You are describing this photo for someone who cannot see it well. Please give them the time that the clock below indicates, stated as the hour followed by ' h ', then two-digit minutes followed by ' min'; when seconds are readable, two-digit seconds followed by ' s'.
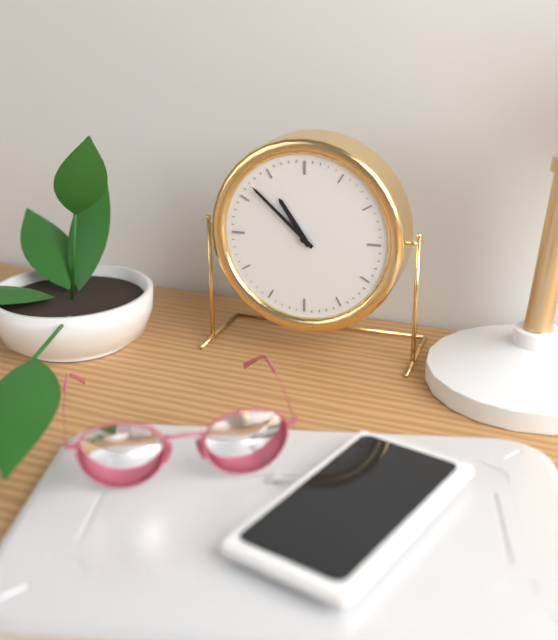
10 h 52 min
